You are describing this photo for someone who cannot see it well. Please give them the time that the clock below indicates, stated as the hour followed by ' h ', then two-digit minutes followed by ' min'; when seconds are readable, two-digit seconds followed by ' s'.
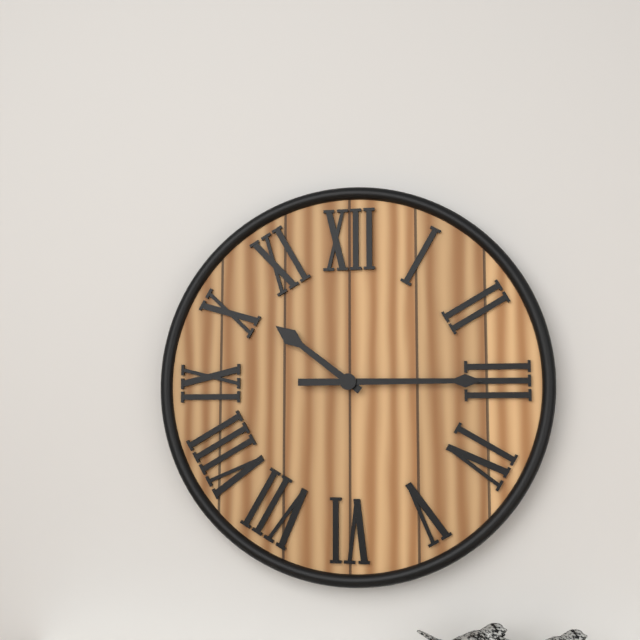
10 h 15 min
